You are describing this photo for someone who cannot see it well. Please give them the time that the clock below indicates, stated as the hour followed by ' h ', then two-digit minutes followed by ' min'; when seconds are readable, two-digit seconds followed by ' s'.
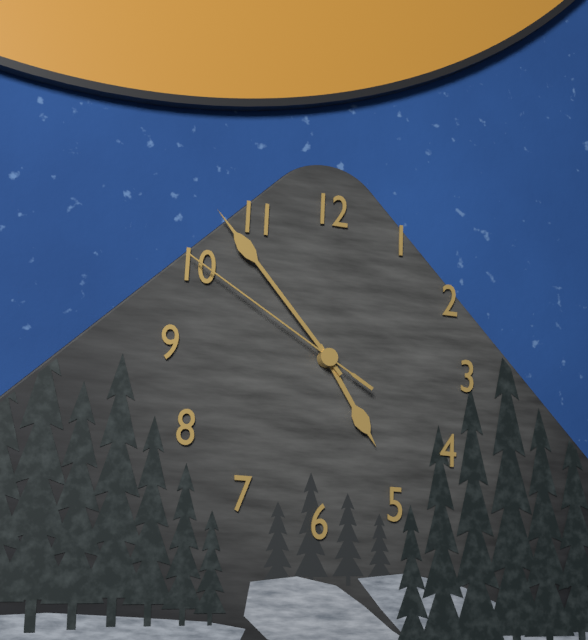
4 h 53 min 50 s
